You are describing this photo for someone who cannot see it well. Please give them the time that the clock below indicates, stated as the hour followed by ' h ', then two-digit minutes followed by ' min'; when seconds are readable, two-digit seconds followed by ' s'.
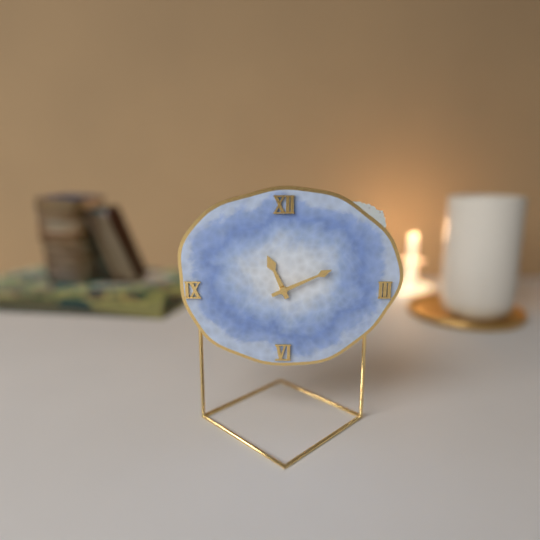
11 h 11 min
